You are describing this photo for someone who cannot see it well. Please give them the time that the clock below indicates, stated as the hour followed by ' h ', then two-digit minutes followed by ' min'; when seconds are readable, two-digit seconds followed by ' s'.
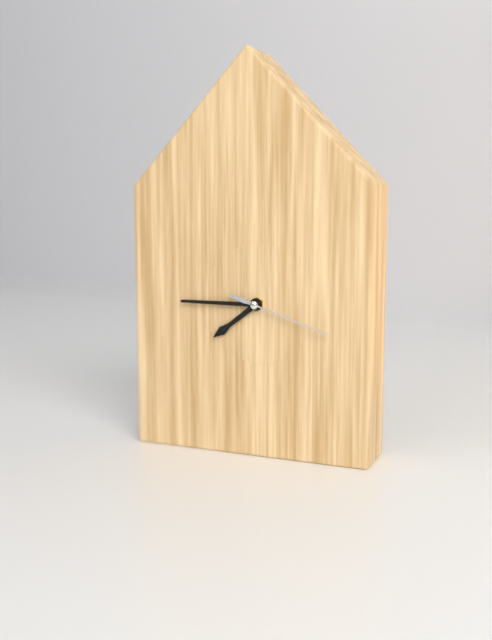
7 h 45 min 18 s
